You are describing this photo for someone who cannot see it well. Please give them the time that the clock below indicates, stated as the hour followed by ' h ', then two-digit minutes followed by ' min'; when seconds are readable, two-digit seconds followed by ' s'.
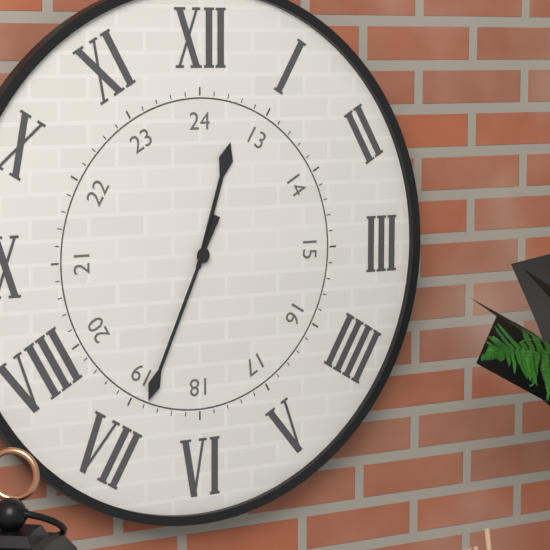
12 h 34 min
